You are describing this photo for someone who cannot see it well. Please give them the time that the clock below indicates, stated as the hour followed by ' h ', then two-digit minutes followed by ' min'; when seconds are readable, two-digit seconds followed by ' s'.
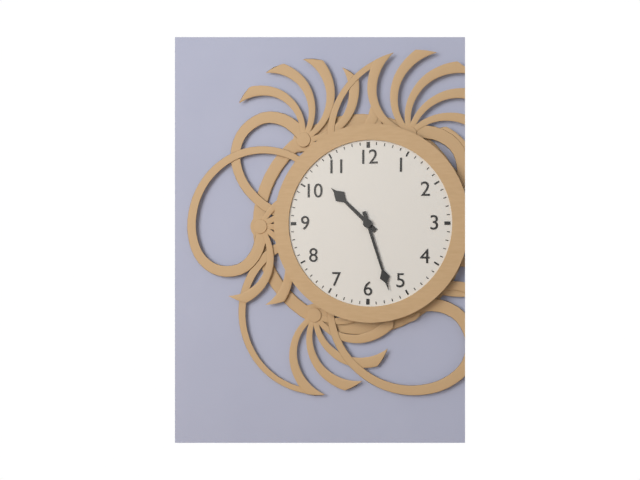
10 h 27 min
